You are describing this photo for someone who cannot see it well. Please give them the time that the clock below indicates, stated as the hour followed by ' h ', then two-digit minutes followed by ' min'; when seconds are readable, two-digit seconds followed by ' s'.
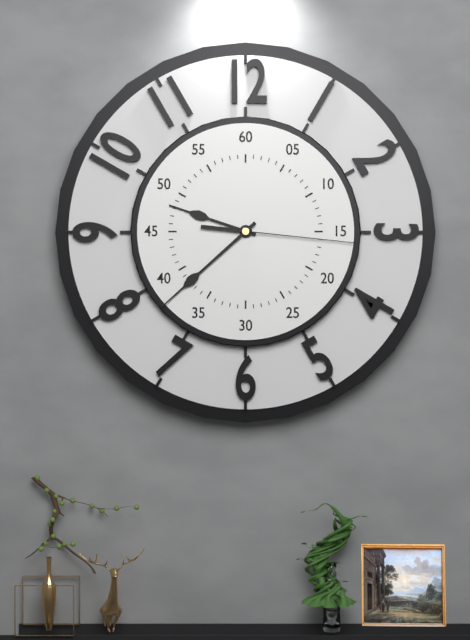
9 h 38 min 16 s
